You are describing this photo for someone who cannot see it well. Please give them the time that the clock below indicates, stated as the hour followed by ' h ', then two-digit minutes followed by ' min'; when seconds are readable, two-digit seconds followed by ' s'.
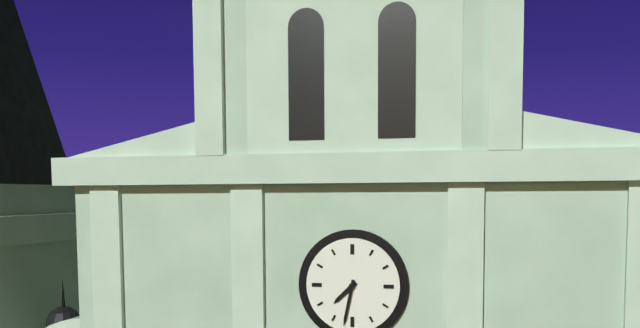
7 h 32 min
